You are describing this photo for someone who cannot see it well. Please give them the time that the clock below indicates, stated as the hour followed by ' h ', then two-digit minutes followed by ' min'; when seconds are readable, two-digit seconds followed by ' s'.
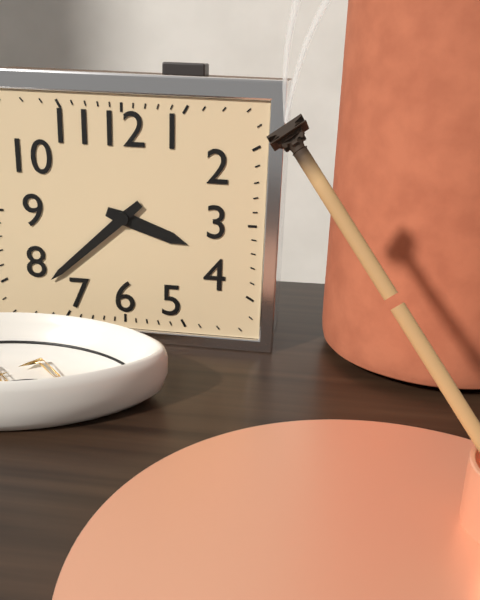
3 h 38 min
